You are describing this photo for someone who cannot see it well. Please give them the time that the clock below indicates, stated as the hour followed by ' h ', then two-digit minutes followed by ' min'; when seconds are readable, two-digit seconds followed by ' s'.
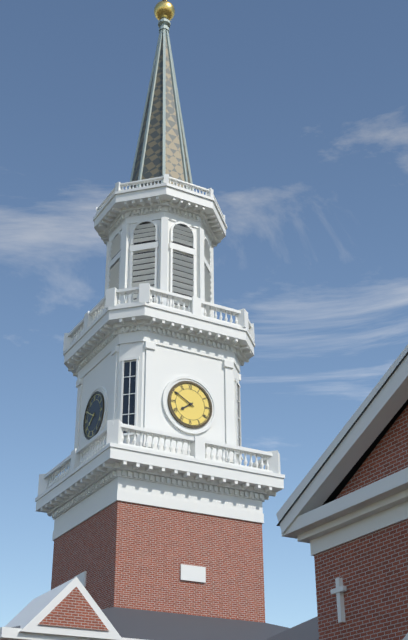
7 h 50 min
